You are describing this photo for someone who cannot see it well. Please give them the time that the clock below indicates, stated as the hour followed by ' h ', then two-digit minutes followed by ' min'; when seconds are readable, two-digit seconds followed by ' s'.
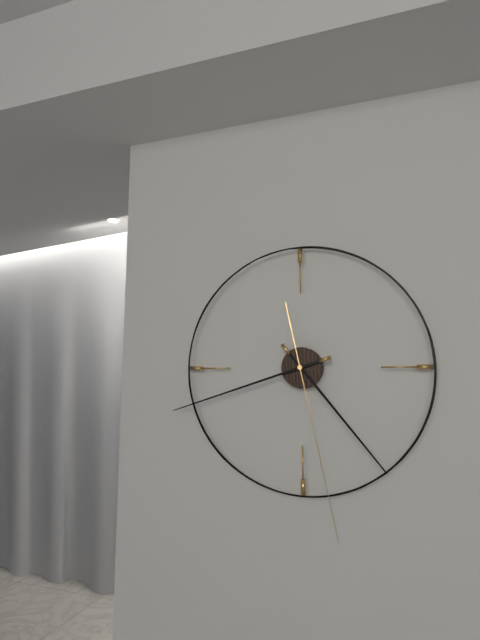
4 h 42 min 28 s
